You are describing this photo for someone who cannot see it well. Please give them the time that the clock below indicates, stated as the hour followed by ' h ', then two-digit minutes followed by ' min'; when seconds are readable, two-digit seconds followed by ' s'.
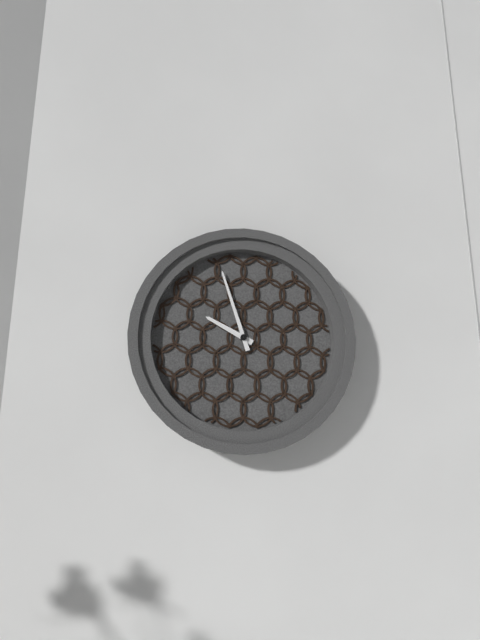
9 h 57 min
